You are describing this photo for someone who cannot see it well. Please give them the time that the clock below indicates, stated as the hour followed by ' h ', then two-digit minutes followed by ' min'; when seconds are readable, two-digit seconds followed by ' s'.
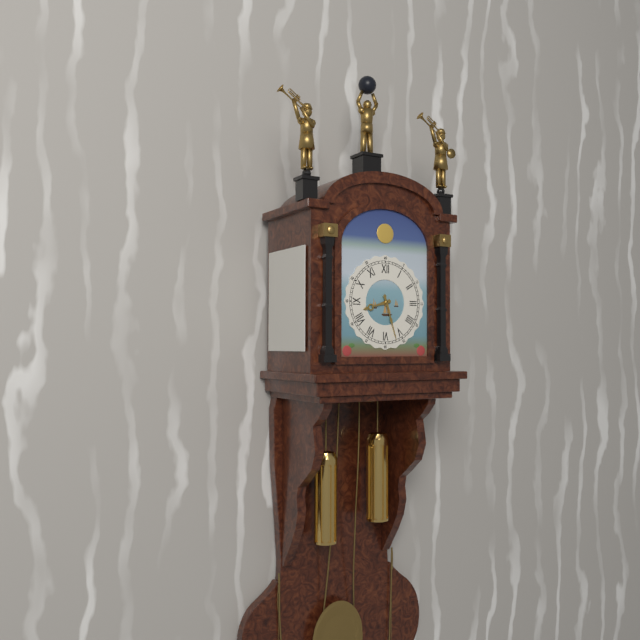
8 h 27 min
